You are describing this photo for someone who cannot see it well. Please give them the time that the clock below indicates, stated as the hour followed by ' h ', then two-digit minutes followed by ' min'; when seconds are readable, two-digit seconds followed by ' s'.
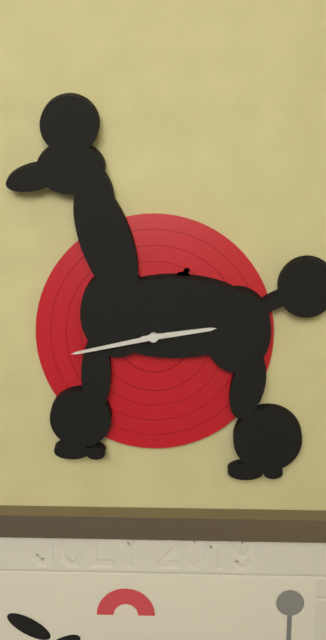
2 h 43 min
